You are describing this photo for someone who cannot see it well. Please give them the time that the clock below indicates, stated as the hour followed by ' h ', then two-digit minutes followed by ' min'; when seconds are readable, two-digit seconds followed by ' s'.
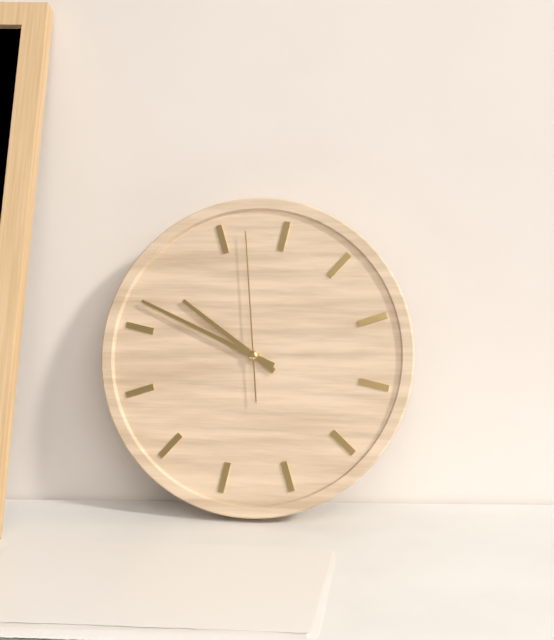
9 h 47 min 57 s
